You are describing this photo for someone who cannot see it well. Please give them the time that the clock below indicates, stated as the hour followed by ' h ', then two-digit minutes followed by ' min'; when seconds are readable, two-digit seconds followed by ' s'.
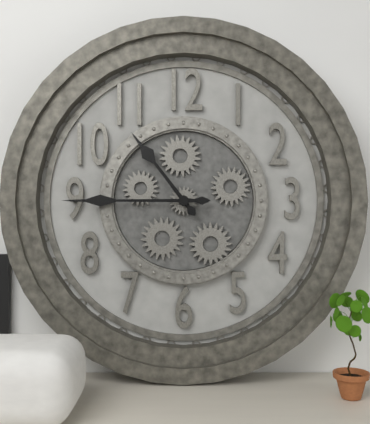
10 h 45 min
